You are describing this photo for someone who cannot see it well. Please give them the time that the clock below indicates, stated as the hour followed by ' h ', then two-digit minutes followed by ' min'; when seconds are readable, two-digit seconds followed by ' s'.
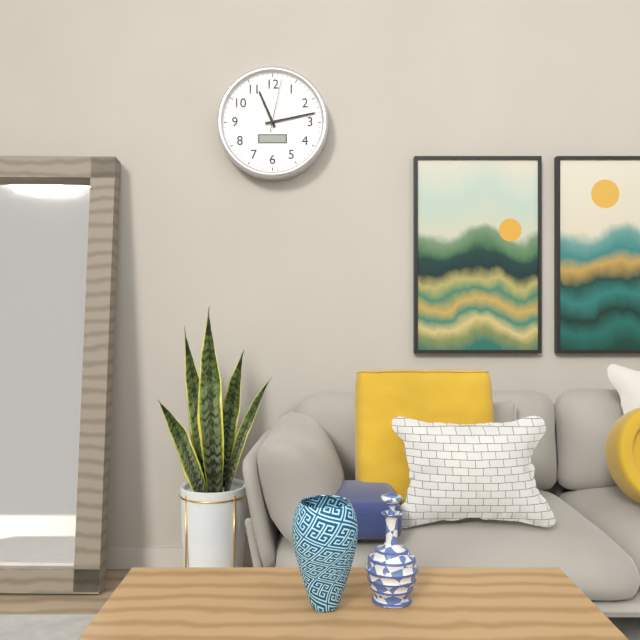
11 h 13 min 02 s
